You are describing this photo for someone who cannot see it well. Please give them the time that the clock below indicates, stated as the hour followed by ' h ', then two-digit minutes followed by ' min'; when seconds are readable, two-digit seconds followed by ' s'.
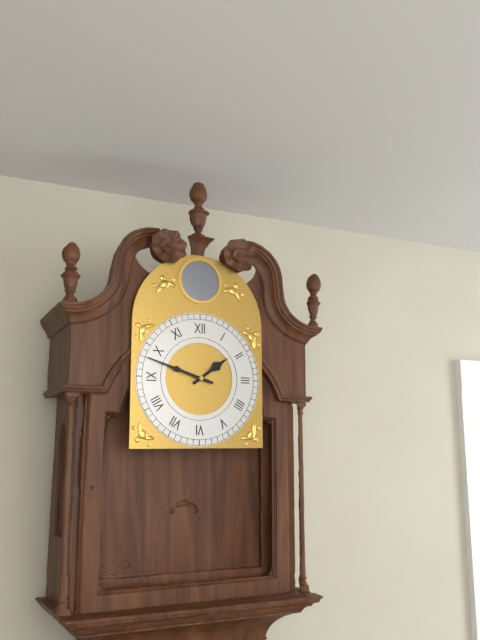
1 h 48 min
